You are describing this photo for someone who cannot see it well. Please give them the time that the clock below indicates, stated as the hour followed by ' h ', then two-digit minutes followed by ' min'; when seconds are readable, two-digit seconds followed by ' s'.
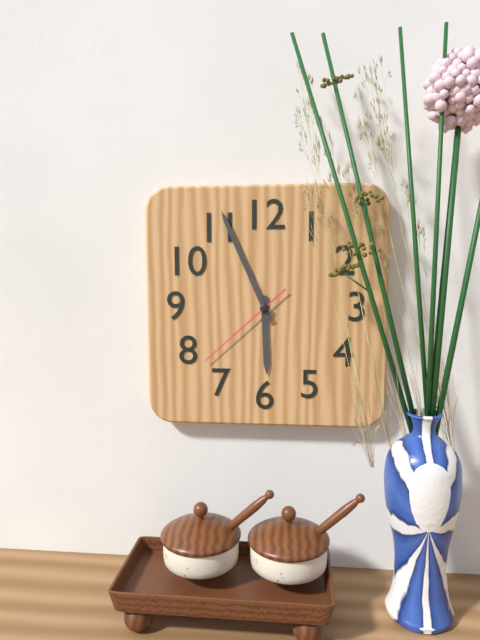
5 h 56 min 38 s
